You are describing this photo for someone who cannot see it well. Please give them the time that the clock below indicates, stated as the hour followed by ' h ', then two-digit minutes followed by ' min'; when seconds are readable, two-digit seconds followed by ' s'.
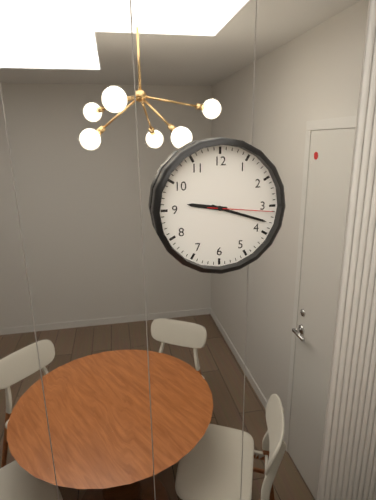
9 h 18 min 16 s
